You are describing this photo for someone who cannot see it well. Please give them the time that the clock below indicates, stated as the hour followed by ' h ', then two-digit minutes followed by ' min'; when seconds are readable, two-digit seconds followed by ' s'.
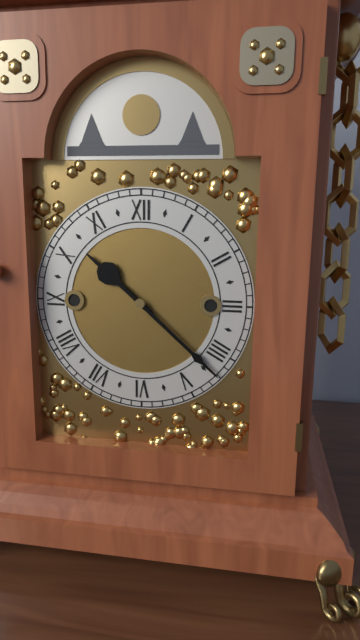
10 h 22 min
